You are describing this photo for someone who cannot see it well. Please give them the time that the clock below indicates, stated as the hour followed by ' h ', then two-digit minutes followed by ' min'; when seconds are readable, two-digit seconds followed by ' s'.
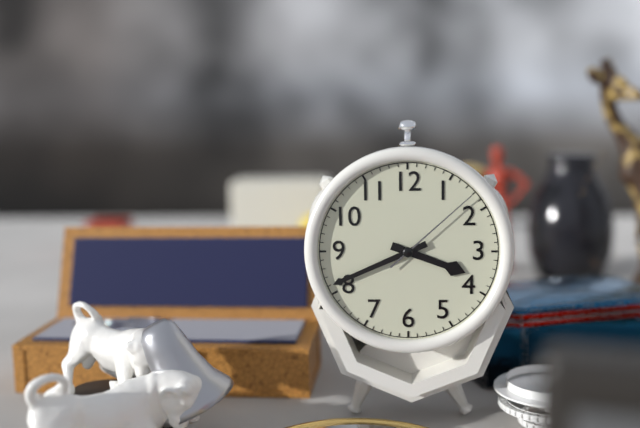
3 h 41 min 08 s
